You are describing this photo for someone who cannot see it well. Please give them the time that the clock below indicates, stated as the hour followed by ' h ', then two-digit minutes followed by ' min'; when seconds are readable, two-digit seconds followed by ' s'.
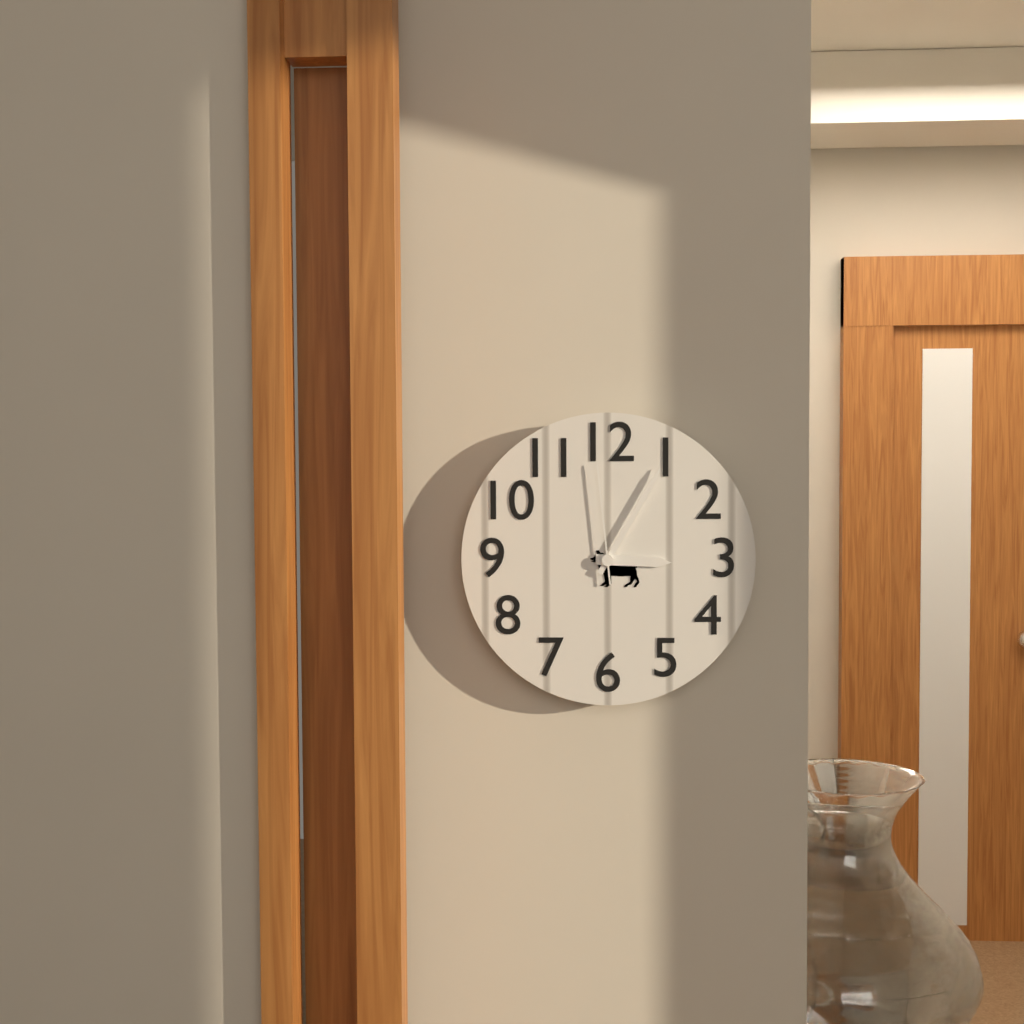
3 h 05 min 59 s
